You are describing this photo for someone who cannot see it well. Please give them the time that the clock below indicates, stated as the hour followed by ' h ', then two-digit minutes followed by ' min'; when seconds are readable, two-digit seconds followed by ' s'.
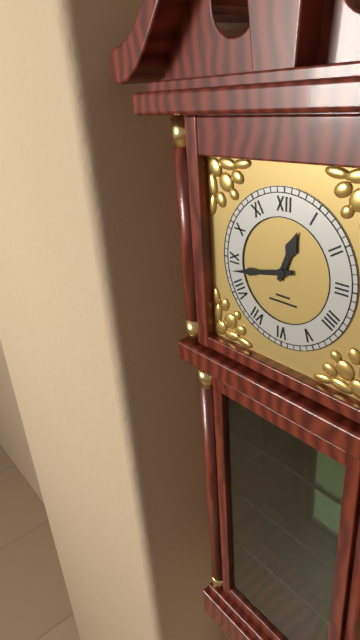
12 h 43 min
